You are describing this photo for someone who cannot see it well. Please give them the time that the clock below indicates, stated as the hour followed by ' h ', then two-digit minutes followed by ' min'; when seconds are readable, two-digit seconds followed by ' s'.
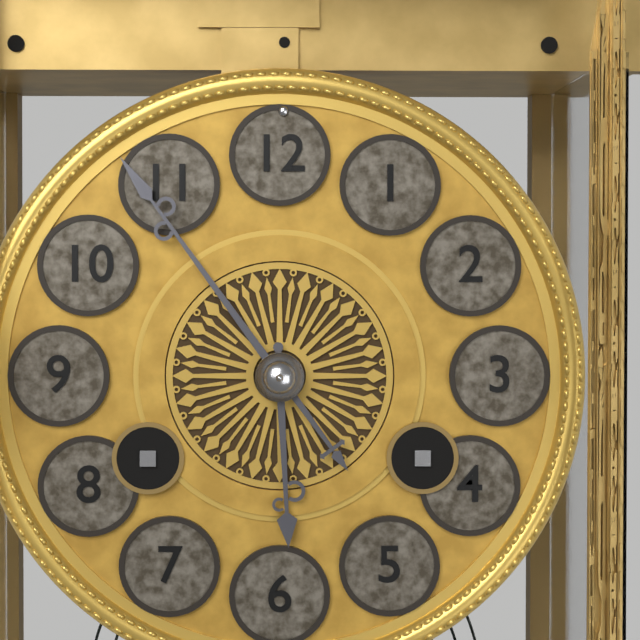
5 h 54 min
